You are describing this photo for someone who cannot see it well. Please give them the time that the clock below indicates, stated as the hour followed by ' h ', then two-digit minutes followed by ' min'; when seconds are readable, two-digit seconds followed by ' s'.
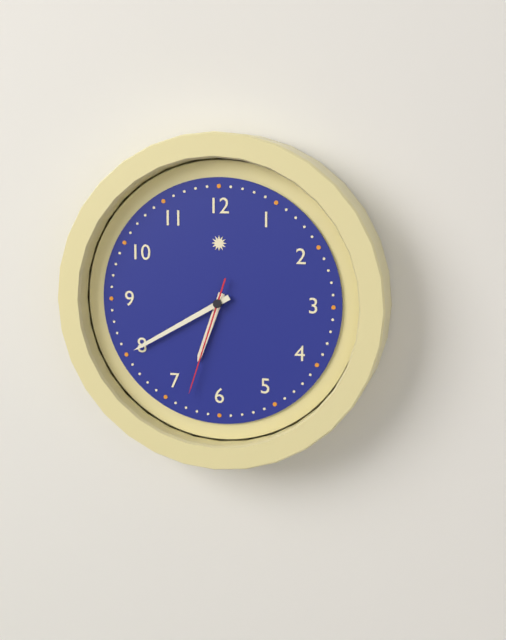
6 h 40 min 33 s
